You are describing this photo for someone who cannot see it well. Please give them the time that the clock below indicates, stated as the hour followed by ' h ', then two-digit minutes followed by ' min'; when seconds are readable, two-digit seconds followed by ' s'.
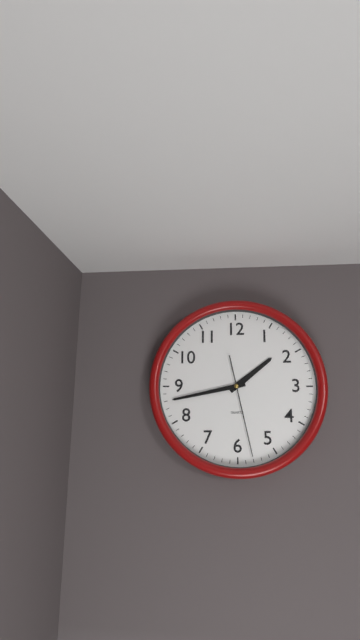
1 h 43 min 28 s
